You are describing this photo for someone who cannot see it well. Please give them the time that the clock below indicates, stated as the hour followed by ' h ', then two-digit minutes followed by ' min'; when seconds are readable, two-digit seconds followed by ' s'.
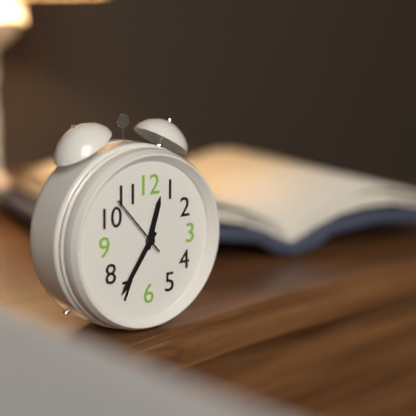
12 h 36 min 53 s
